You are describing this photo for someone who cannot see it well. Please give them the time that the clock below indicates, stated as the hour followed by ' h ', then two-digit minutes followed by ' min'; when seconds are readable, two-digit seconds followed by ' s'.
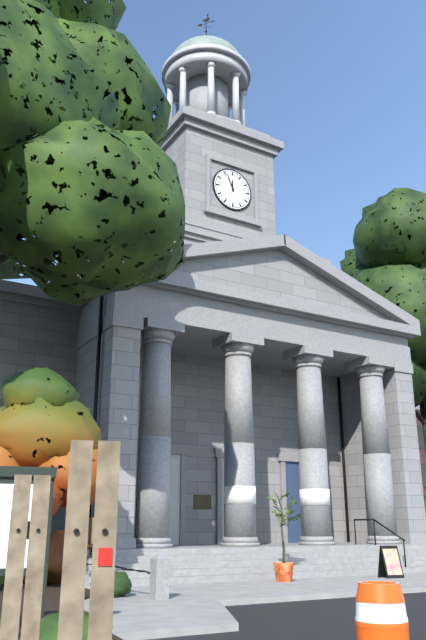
11 h 56 min
